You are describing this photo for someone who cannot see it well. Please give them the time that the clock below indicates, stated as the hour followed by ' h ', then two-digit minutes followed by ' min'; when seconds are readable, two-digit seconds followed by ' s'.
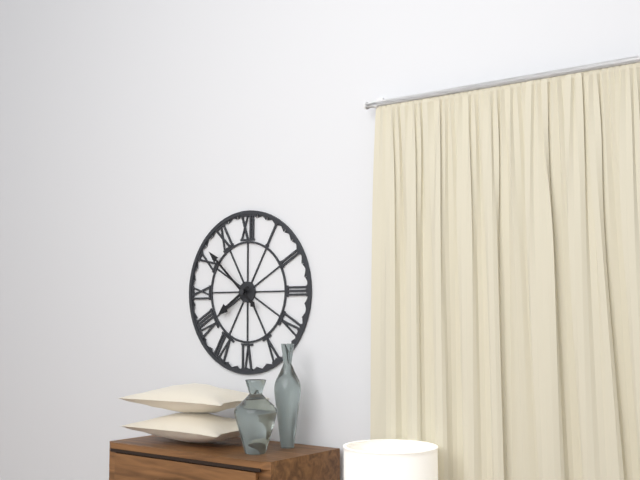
7 h 52 min
